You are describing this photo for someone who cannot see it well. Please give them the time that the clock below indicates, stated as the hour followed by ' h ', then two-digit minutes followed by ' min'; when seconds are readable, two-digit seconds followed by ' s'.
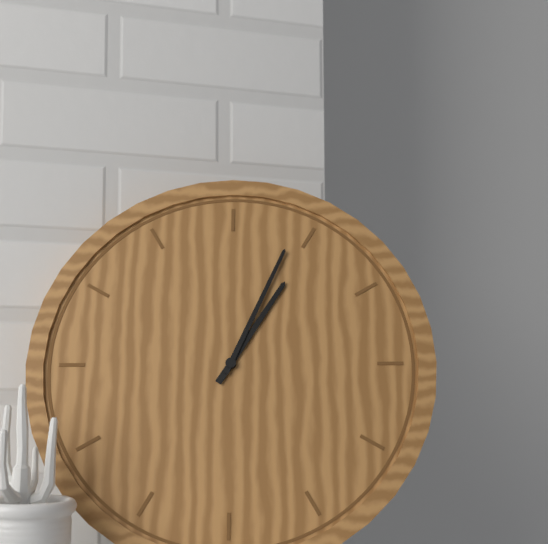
1 h 04 min
